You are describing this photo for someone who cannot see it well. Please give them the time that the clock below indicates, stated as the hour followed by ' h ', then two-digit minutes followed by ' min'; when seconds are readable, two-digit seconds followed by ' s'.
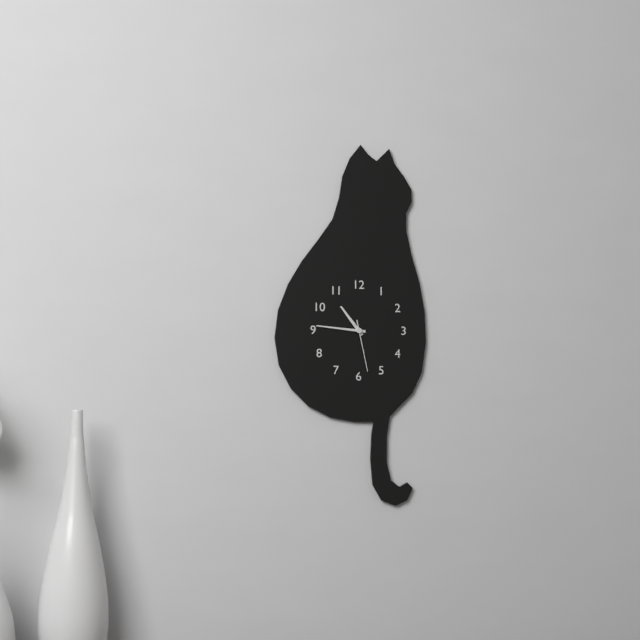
10 h 46 min 28 s
